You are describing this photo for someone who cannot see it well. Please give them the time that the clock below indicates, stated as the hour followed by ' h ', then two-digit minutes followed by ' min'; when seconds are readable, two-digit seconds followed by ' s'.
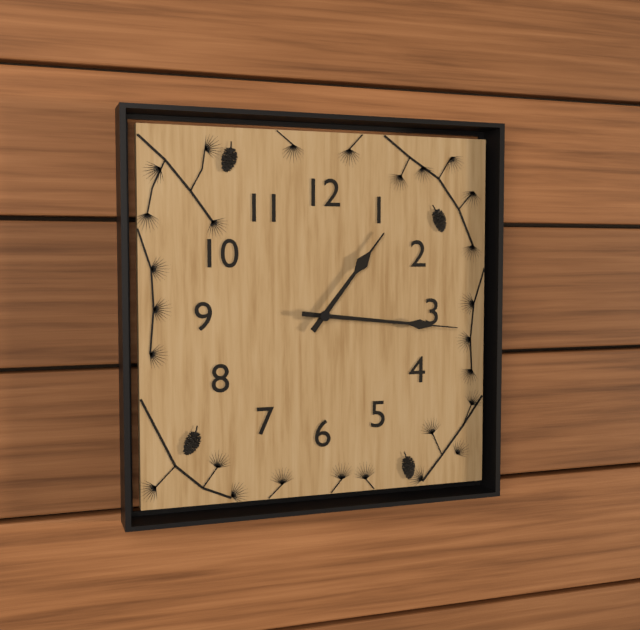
1 h 16 min
